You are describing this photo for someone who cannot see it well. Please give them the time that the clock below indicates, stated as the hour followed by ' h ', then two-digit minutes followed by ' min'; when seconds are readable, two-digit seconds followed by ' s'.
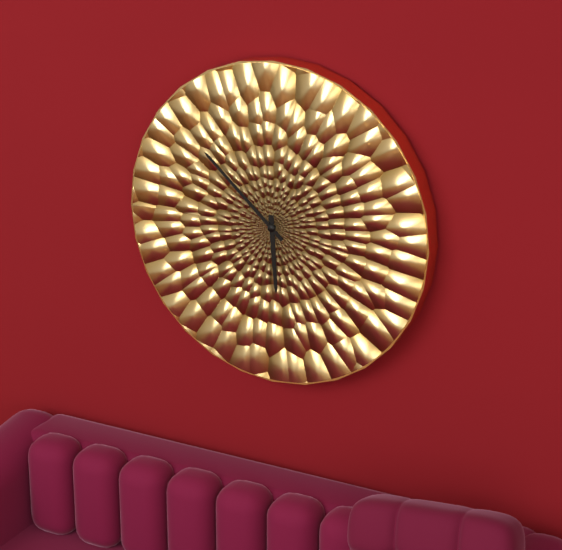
5 h 52 min
